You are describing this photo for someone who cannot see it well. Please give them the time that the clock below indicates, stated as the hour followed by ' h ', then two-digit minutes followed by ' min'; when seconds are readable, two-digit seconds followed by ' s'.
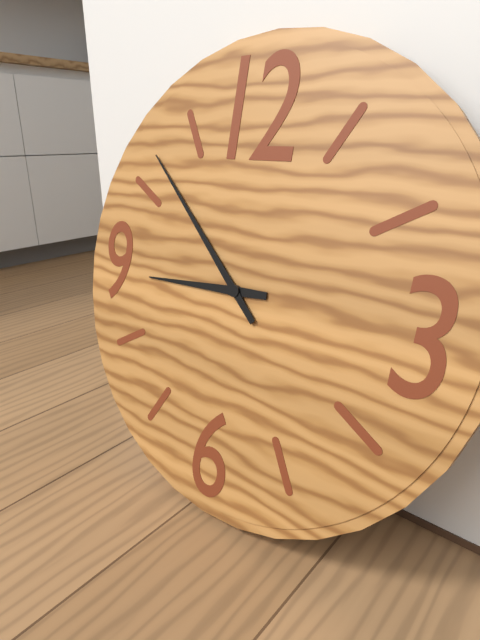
8 h 52 min
